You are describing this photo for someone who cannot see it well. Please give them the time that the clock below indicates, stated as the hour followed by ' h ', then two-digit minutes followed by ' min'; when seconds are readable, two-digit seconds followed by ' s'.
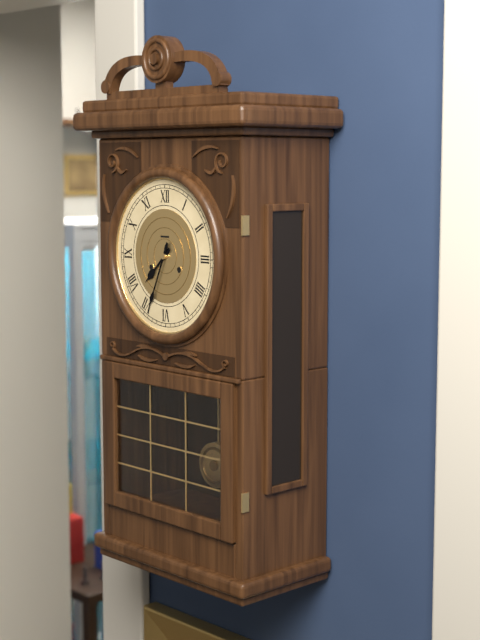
7 h 34 min
